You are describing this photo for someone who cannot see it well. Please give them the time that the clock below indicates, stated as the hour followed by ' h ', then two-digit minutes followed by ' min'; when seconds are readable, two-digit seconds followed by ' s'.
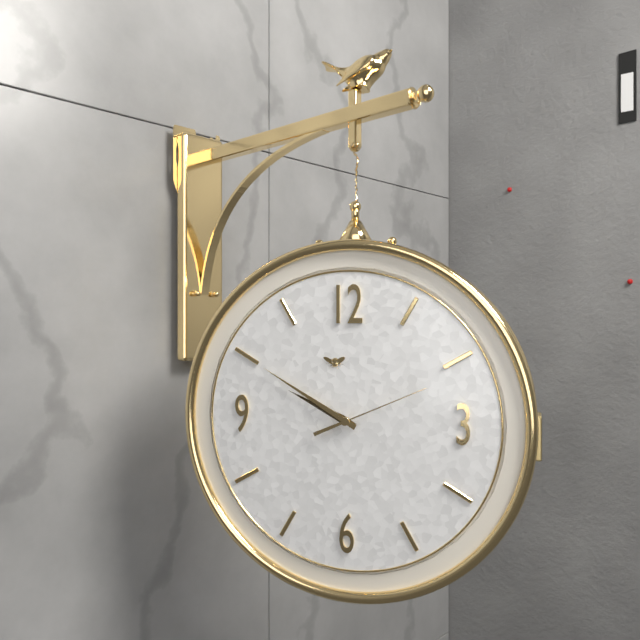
9 h 50 min 11 s
